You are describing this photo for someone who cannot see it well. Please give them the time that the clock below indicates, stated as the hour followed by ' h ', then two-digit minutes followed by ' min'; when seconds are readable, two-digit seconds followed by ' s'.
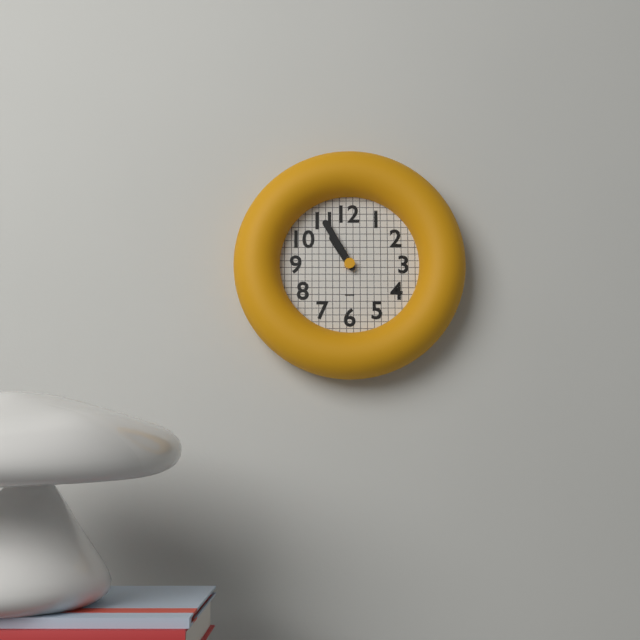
10 h 55 min
